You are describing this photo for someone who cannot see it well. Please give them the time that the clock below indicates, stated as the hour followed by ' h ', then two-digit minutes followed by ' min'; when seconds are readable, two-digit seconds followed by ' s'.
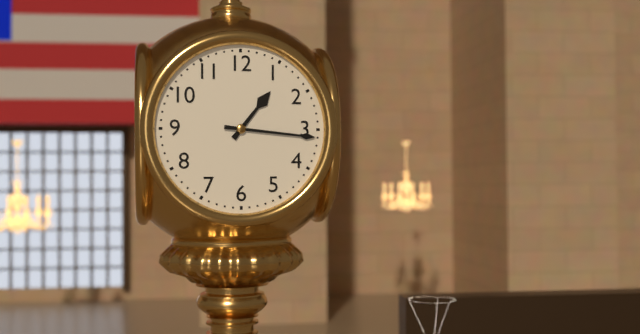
1 h 16 min
